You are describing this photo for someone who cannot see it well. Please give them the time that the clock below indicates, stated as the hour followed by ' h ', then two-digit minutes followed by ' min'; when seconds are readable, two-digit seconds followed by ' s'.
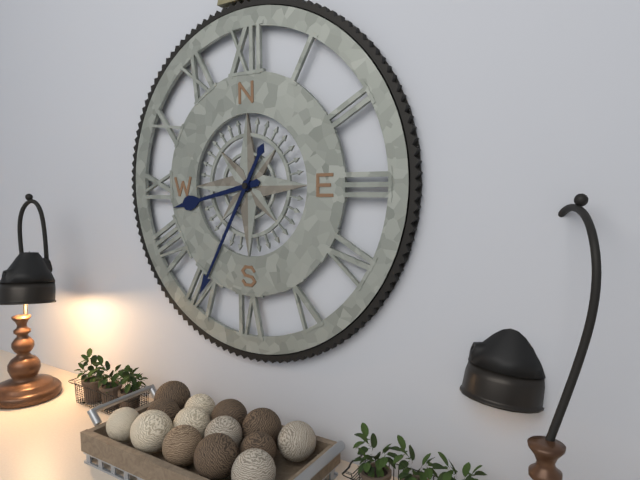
8 h 35 min
